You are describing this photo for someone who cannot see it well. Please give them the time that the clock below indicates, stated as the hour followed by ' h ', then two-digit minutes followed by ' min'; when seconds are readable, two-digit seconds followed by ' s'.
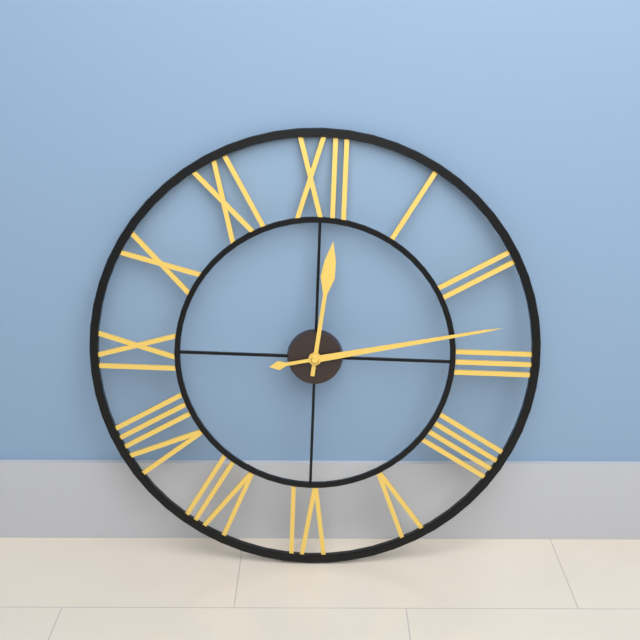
12 h 13 min
